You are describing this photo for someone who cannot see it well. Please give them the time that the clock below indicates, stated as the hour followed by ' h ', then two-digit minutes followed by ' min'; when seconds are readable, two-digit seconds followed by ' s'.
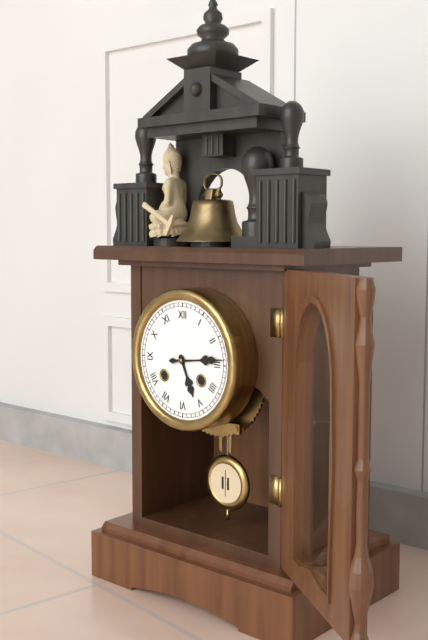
5 h 14 min
